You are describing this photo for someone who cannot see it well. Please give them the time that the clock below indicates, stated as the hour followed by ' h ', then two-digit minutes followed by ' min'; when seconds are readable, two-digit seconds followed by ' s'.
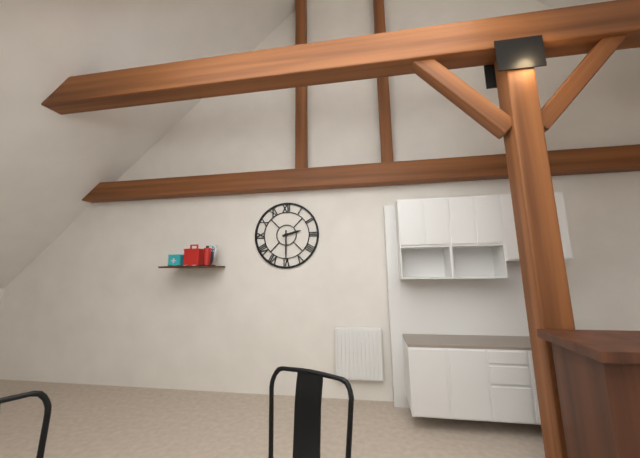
2 h 30 min
